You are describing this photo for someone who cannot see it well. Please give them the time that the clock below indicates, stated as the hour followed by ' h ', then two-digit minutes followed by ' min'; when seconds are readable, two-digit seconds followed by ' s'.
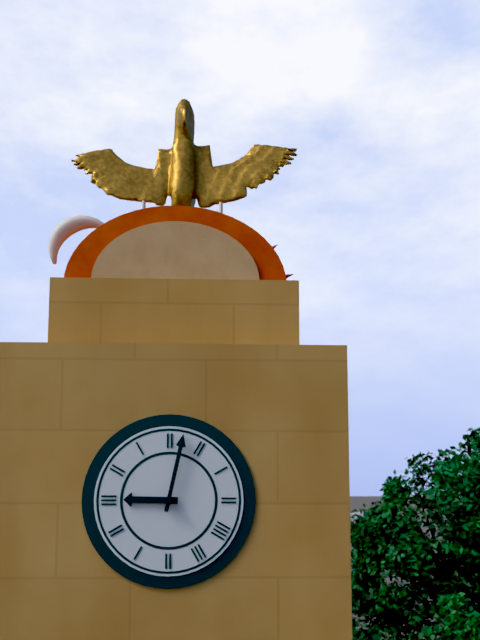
9 h 02 min
